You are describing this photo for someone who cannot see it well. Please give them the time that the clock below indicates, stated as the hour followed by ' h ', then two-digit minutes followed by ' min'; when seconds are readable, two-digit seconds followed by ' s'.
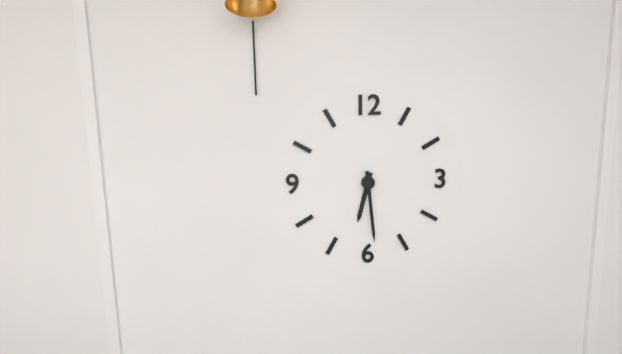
6 h 29 min
